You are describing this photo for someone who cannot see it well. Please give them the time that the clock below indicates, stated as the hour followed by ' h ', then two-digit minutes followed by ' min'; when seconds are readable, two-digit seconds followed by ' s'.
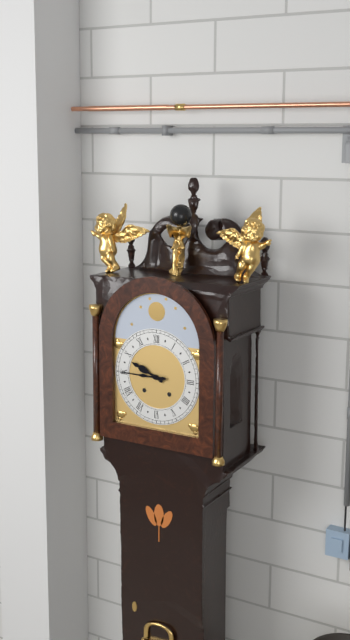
9 h 45 min
